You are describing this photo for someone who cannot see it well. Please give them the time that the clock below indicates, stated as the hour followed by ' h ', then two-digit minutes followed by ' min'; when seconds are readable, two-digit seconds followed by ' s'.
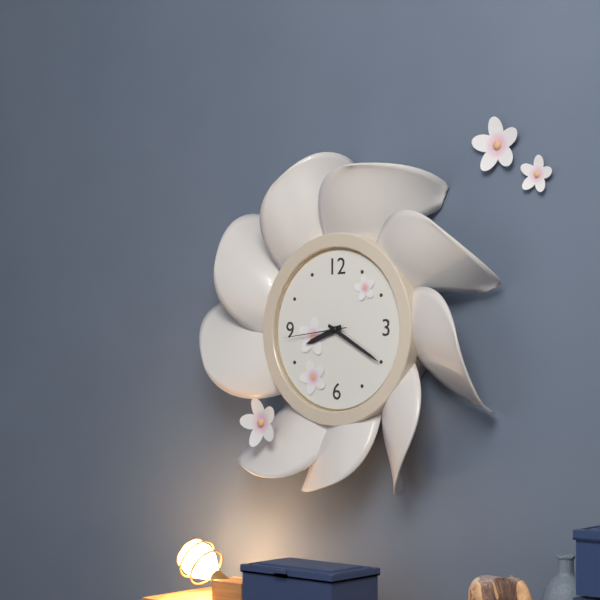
8 h 20 min 44 s
